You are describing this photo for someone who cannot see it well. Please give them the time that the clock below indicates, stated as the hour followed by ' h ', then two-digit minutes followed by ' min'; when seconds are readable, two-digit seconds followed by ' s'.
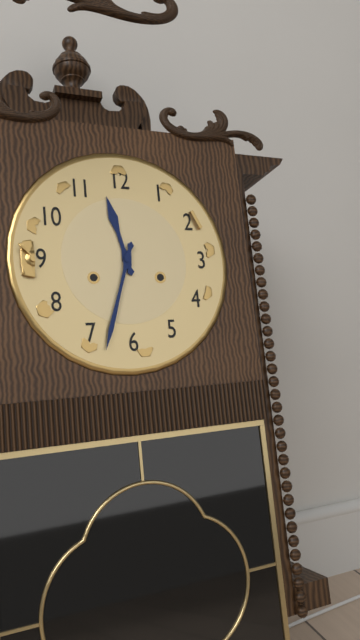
11 h 33 min
